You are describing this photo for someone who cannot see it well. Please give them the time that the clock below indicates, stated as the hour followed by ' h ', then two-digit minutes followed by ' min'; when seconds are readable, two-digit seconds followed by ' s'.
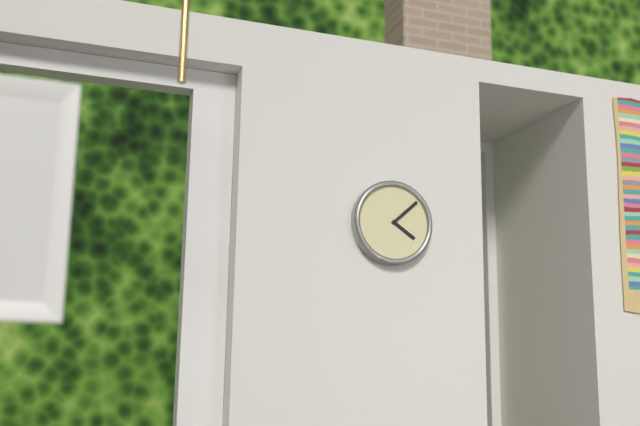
4 h 08 min
